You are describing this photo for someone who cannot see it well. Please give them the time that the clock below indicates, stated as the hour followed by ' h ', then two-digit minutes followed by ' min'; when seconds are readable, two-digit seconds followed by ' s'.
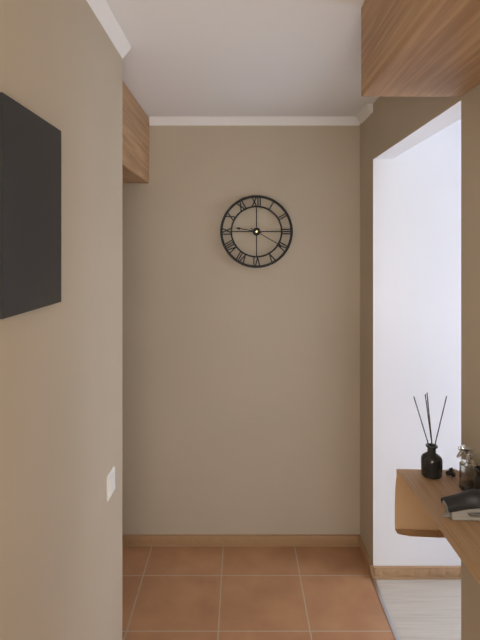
9 h 20 min
